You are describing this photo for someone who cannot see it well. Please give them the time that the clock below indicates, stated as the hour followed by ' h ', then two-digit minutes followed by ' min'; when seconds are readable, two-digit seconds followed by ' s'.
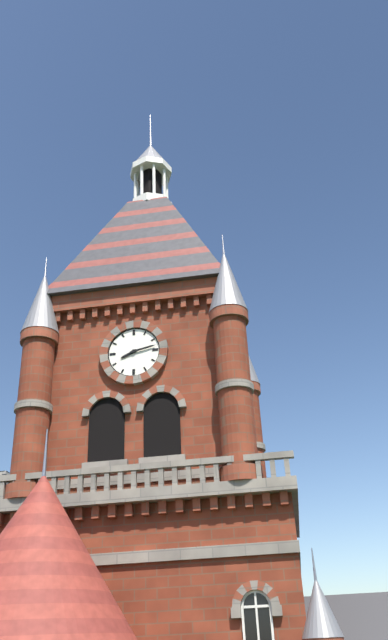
8 h 13 min
